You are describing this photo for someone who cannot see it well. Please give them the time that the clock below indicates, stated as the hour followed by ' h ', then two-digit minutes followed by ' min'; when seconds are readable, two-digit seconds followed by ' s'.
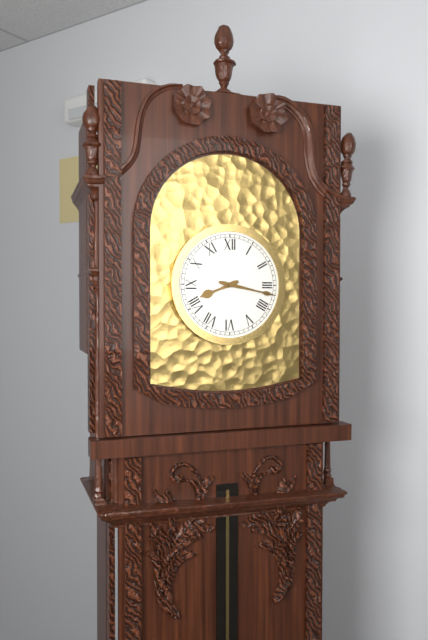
8 h 17 min
